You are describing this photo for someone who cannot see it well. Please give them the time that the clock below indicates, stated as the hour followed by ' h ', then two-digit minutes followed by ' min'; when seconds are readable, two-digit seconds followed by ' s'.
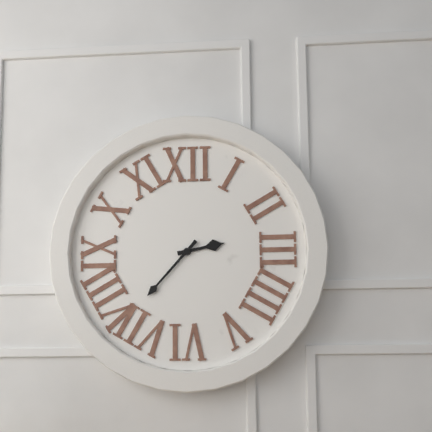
2 h 37 min
